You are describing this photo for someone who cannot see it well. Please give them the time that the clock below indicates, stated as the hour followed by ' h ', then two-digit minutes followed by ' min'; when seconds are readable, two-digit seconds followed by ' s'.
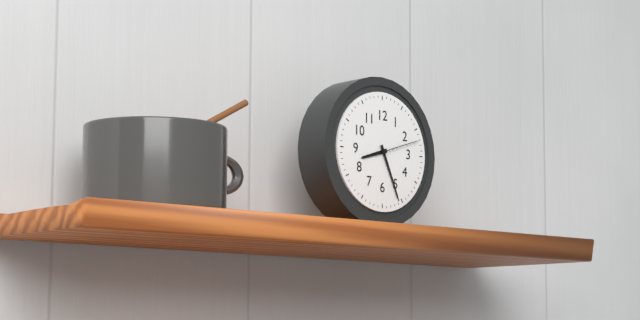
8 h 26 min
